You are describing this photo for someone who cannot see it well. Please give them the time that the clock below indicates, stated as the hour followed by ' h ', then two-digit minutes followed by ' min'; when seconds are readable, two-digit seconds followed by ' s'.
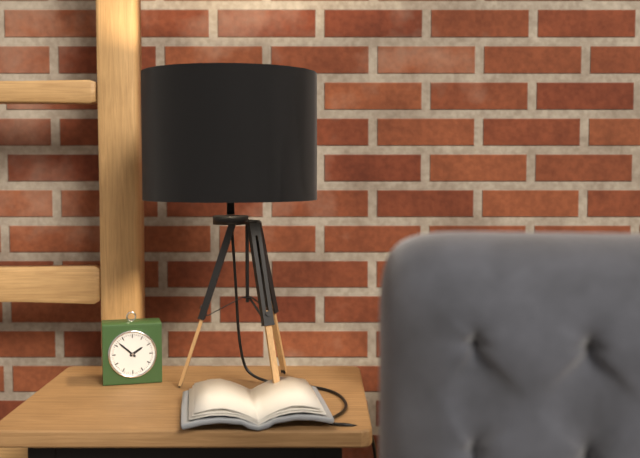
1 h 52 min
